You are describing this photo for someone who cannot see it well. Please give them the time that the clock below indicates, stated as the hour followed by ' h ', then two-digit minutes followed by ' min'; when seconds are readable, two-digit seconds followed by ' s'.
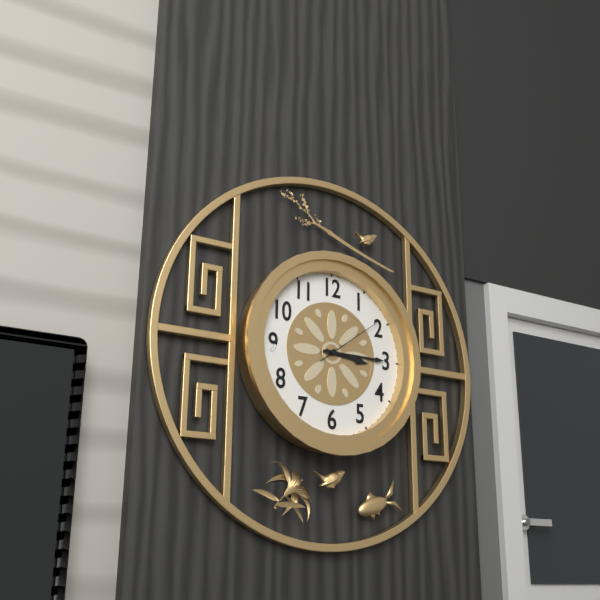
3 h 15 min 09 s
